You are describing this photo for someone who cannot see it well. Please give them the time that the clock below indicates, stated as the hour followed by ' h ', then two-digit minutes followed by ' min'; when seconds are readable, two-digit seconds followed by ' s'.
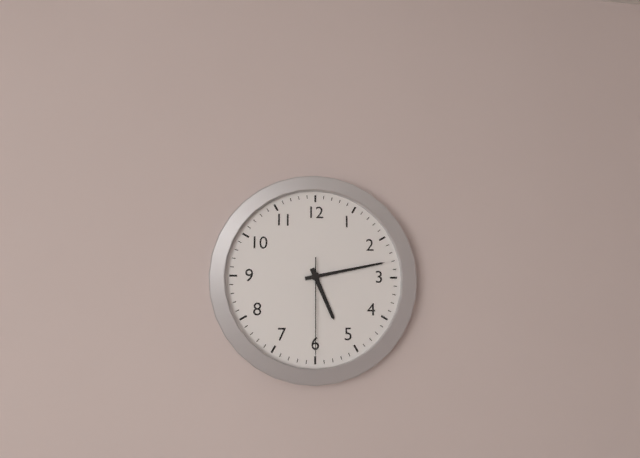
5 h 13 min 30 s
